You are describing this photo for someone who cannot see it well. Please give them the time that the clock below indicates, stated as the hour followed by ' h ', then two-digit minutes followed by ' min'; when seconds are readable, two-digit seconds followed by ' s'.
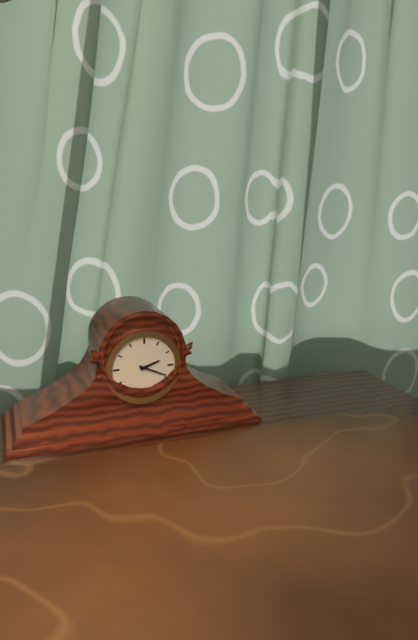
2 h 19 min
